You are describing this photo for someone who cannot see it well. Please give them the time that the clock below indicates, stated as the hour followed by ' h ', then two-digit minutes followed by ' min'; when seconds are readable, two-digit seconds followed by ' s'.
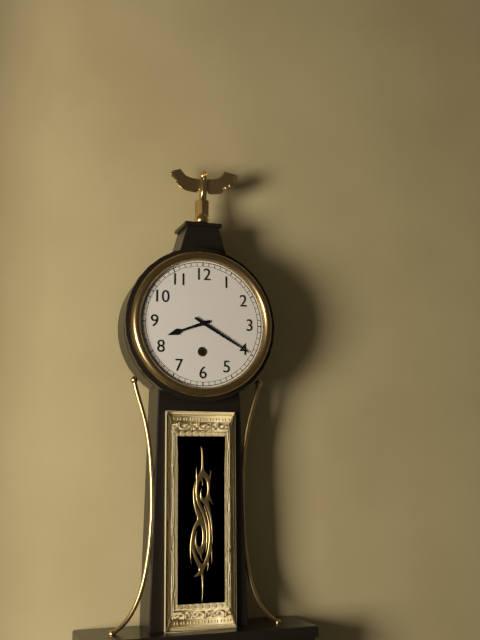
8 h 20 min
